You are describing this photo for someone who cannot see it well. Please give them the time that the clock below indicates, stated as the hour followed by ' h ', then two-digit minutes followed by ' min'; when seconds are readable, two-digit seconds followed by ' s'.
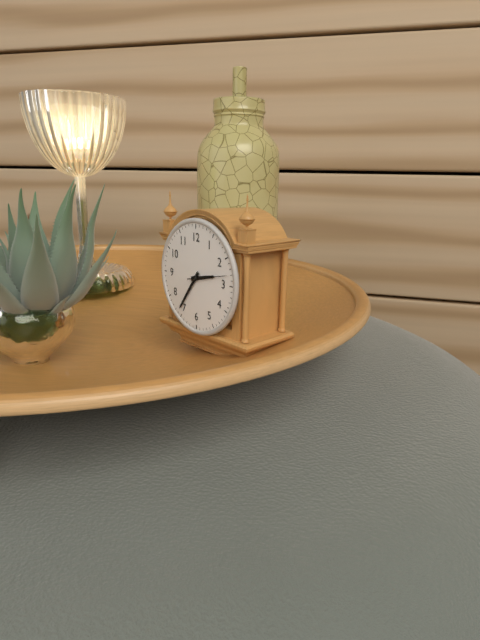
2 h 36 min
